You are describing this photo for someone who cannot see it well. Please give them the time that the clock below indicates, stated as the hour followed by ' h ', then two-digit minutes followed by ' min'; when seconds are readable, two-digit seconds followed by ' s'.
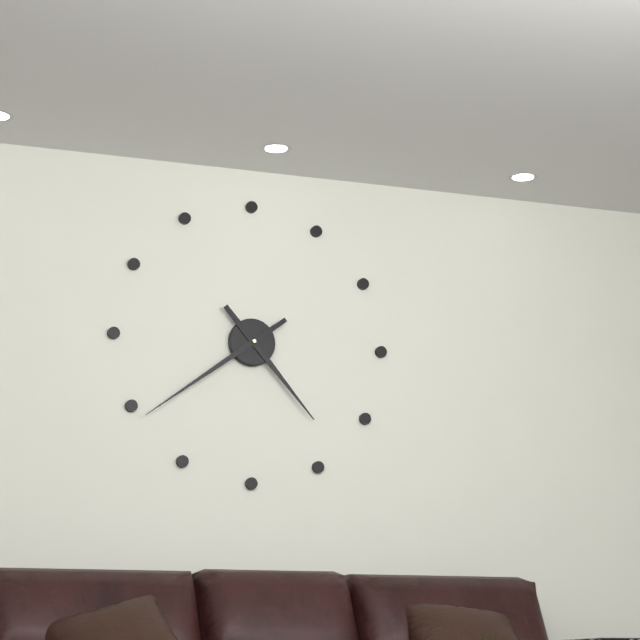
4 h 39 min
